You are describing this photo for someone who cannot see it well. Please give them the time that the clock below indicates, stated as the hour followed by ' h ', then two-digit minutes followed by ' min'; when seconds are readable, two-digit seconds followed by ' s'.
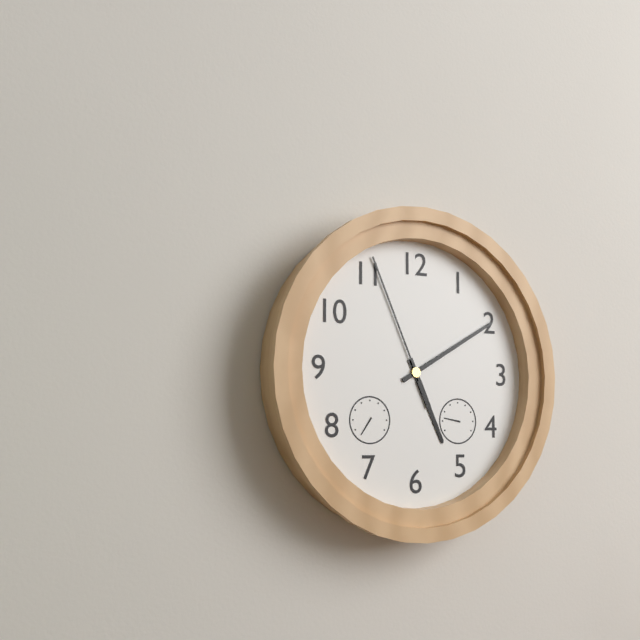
5 h 10 min 56 s
